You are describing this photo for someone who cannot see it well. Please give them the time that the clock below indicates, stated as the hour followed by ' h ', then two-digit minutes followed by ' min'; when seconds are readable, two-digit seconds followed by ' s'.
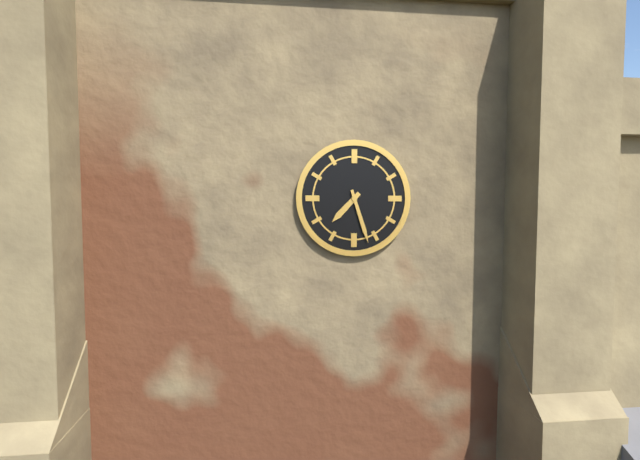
7 h 27 min
